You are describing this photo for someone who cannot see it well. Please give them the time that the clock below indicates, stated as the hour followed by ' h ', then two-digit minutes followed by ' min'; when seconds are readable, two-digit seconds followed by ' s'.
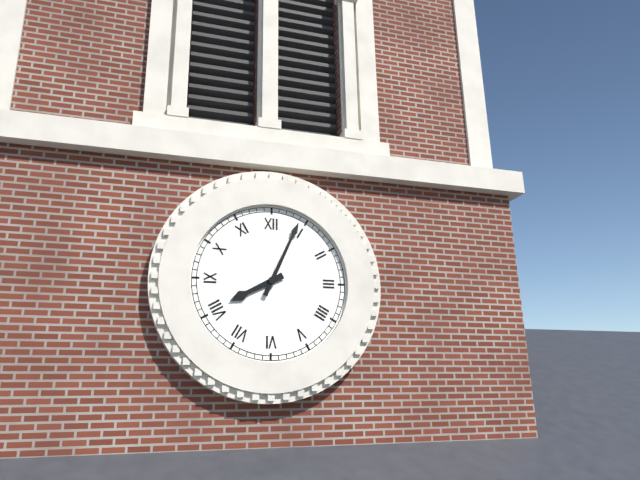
8 h 04 min
